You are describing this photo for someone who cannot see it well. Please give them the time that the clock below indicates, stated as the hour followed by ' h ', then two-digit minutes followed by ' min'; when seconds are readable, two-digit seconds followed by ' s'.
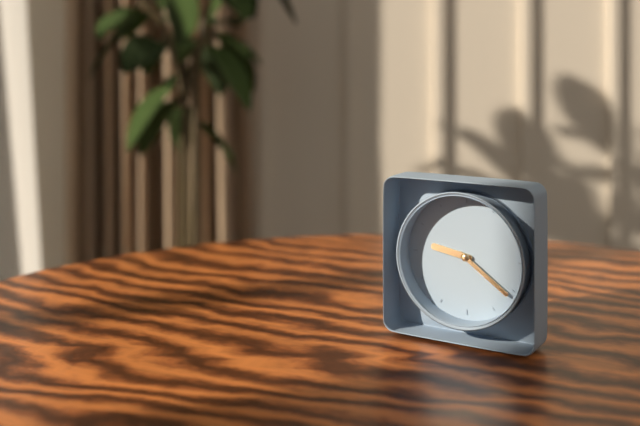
9 h 21 min
